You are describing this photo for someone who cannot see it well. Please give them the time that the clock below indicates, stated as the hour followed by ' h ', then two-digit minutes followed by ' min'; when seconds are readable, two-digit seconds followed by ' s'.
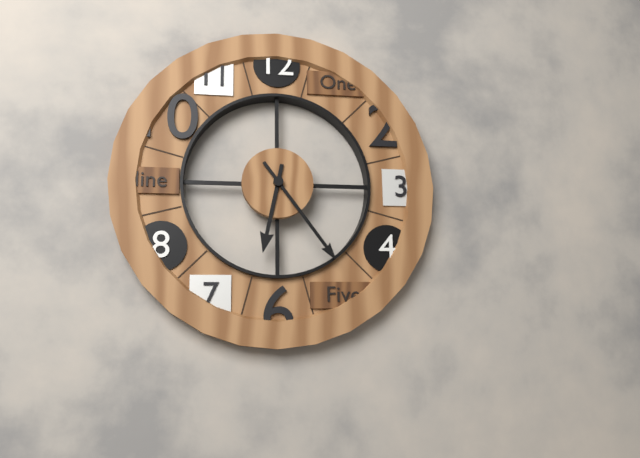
6 h 24 min
